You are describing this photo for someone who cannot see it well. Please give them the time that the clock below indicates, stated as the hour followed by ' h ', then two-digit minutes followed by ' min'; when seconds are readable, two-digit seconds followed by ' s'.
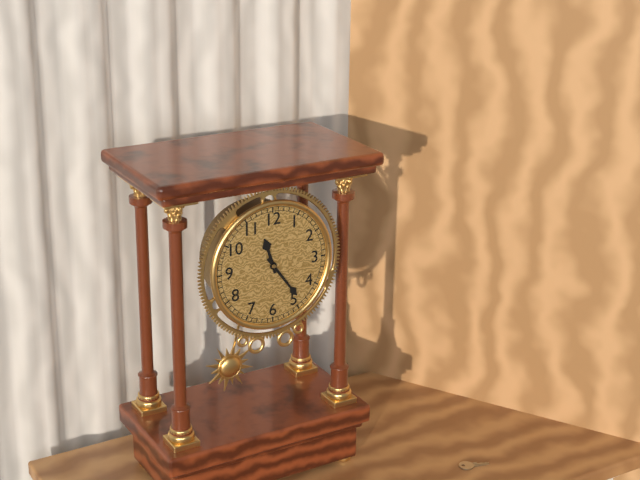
11 h 24 min
